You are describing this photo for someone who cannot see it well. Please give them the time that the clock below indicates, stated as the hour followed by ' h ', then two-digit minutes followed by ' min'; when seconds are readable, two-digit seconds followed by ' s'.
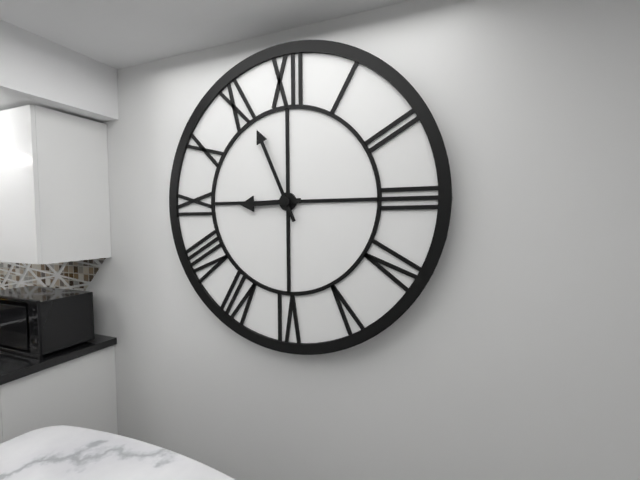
8 h 56 min
